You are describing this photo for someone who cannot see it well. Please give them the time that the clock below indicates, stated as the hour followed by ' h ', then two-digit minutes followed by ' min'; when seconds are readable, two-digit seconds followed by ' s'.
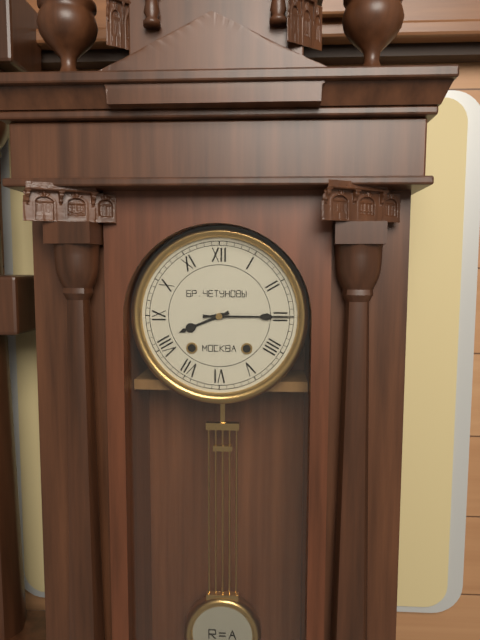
8 h 15 min
